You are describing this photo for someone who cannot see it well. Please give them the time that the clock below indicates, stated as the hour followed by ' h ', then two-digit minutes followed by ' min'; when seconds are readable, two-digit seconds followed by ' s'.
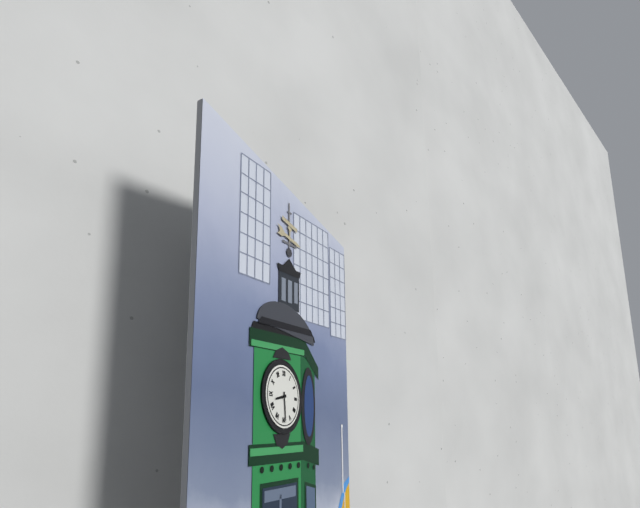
8 h 29 min
